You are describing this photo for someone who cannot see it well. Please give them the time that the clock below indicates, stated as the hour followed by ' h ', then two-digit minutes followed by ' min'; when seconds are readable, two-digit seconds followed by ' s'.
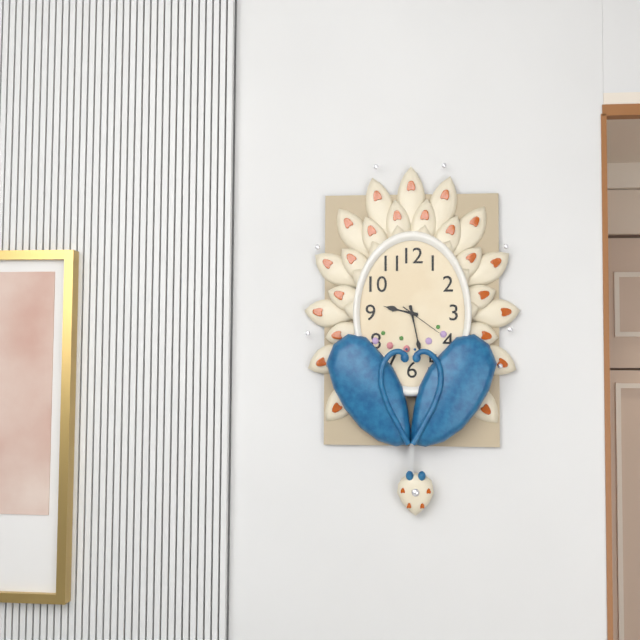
9 h 28 min 21 s
